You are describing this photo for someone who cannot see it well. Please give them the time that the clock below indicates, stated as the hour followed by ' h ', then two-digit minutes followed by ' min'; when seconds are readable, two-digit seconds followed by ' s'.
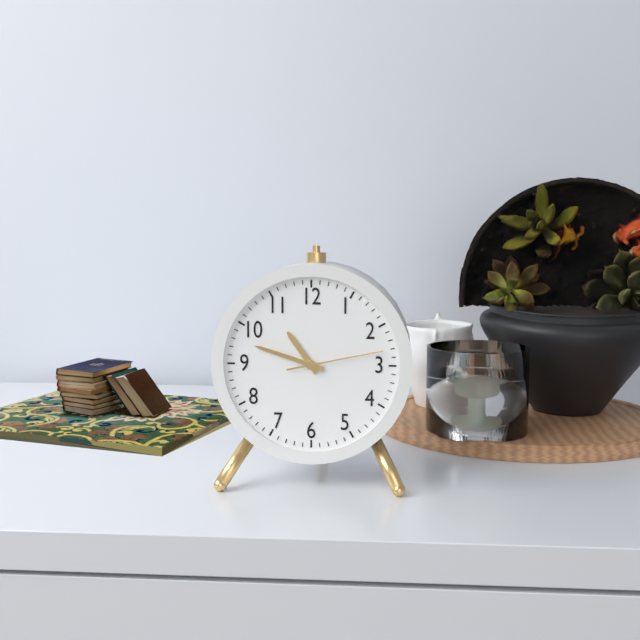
10 h 48 min 13 s
